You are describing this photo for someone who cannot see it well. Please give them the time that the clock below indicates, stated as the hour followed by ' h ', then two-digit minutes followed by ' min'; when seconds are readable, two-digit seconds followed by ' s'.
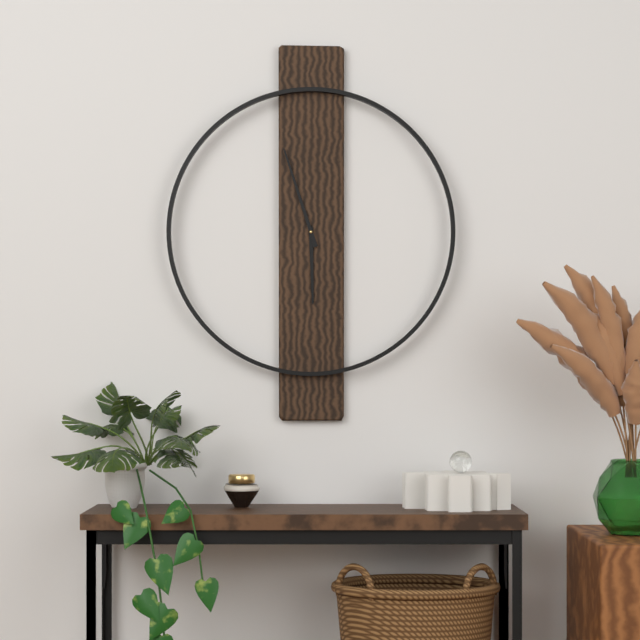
5 h 57 min
